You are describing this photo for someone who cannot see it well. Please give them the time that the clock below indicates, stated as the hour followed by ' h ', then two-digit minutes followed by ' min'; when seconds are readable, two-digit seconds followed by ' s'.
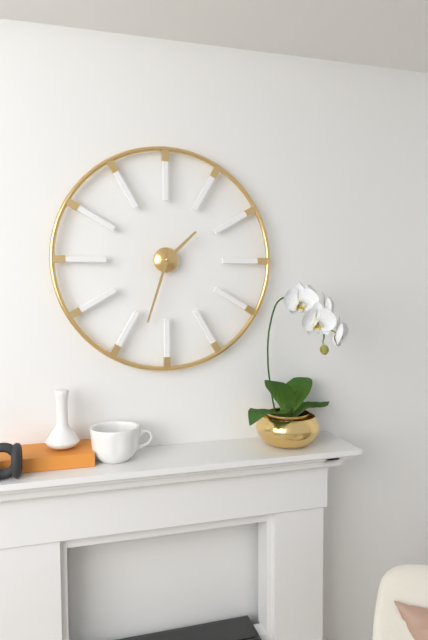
1 h 33 min
